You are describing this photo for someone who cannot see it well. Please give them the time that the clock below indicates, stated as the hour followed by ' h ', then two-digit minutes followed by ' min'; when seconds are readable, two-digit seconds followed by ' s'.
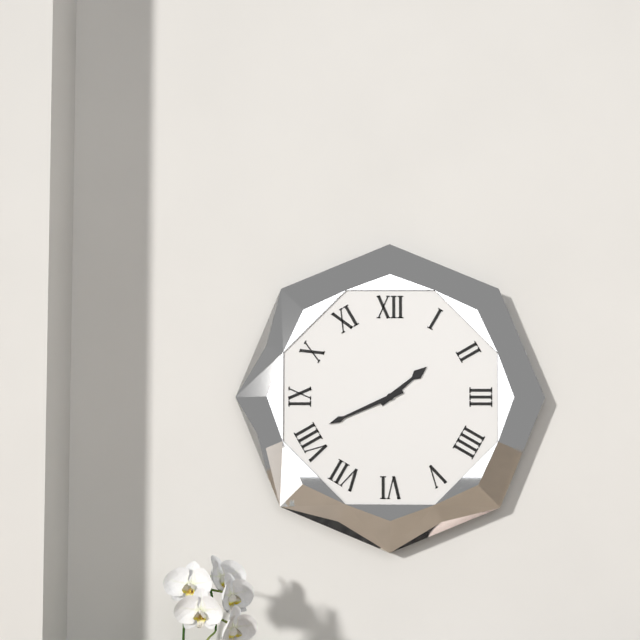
1 h 41 min
